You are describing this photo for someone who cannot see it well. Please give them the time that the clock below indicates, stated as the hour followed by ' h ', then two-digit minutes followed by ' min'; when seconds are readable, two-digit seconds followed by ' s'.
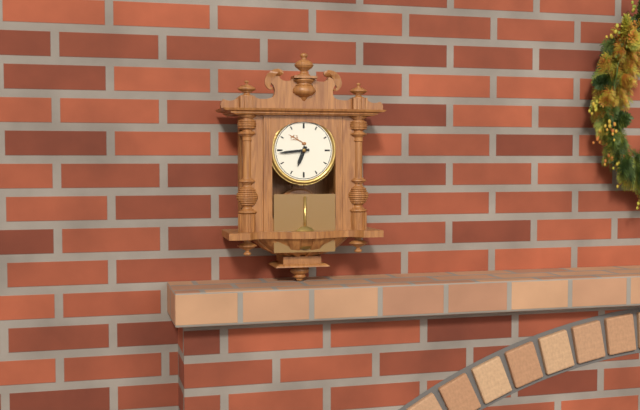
6 h 44 min
